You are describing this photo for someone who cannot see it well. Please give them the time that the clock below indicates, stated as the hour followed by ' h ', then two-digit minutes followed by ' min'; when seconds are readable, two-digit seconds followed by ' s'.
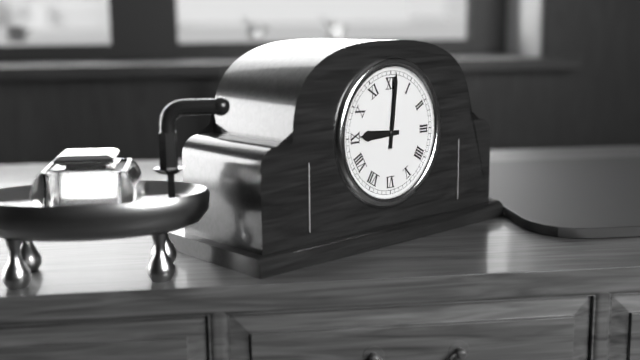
9 h 01 min
